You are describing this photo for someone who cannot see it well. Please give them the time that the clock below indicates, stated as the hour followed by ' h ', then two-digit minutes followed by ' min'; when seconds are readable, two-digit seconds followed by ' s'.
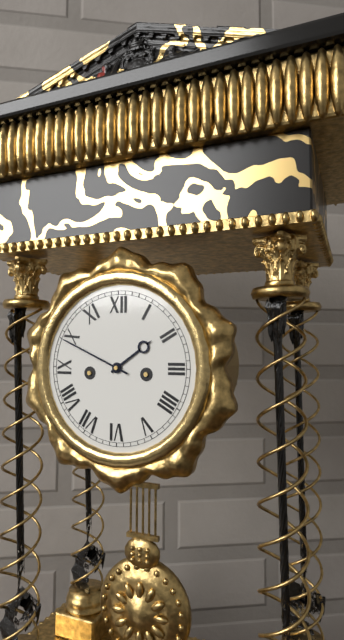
1 h 49 min
